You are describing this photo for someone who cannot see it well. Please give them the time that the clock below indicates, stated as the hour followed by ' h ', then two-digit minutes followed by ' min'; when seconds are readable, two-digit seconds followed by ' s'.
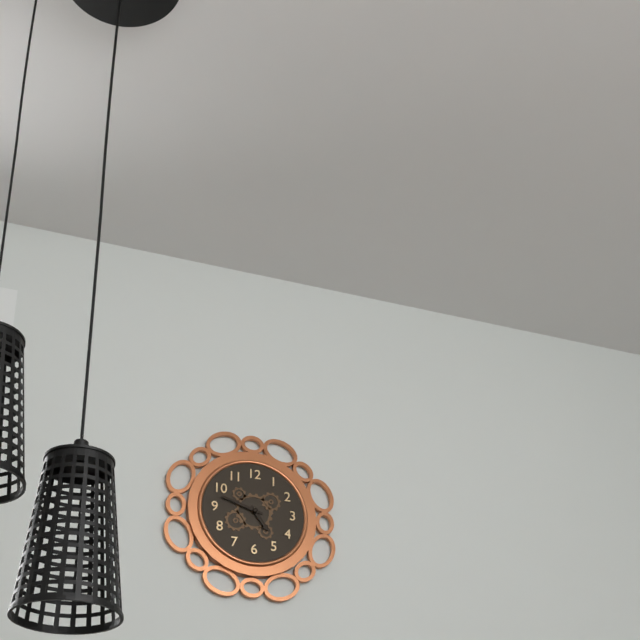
4 h 48 min
